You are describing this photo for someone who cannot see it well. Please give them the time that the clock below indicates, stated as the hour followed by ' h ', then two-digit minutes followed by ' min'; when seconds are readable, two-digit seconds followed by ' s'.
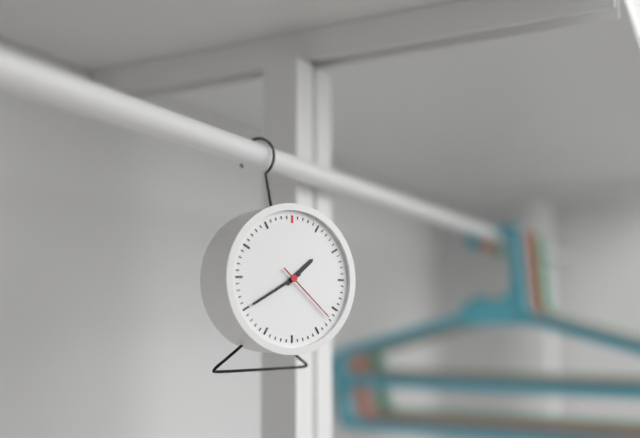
1 h 40 min 22 s
